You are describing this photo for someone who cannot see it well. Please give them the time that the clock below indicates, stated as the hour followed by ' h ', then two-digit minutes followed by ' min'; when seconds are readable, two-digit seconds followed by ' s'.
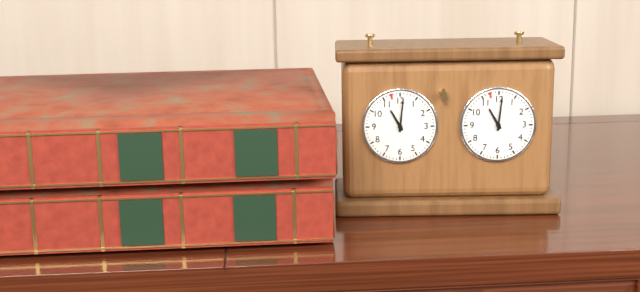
11 h 01 min
